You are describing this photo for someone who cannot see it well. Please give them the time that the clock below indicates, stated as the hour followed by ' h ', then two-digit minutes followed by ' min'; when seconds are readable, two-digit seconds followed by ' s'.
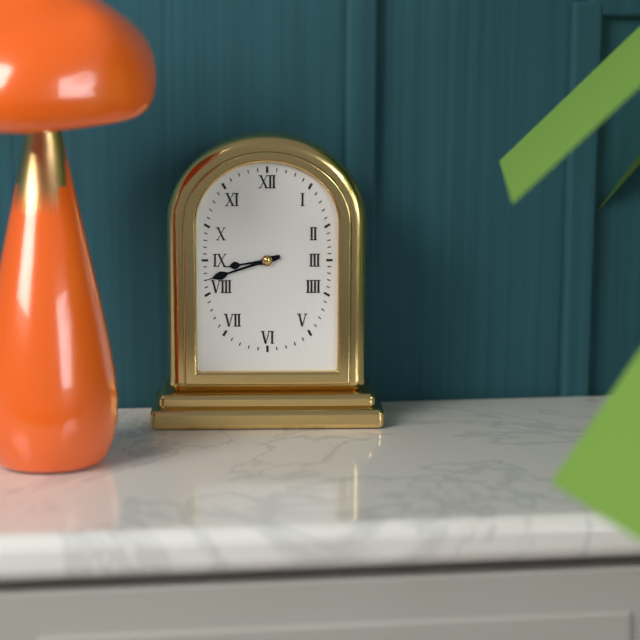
8 h 42 min
